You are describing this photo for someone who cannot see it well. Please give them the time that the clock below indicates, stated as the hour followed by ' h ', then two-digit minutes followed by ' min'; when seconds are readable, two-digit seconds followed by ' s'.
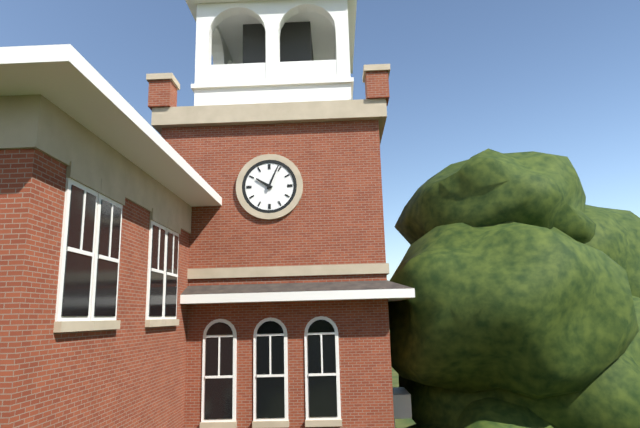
10 h 04 min
